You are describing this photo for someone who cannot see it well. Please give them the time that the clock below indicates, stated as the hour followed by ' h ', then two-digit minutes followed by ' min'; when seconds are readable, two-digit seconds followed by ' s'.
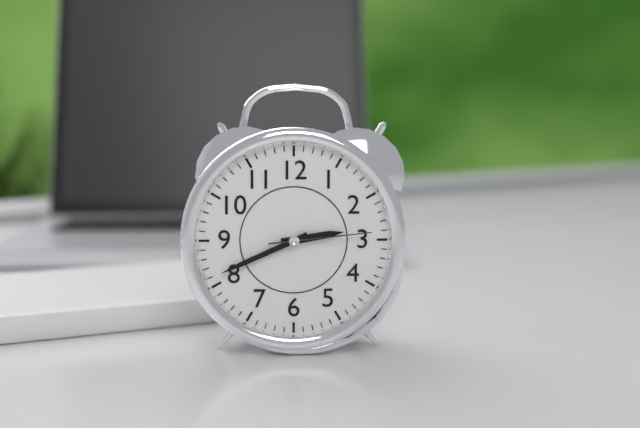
2 h 41 min 14 s
